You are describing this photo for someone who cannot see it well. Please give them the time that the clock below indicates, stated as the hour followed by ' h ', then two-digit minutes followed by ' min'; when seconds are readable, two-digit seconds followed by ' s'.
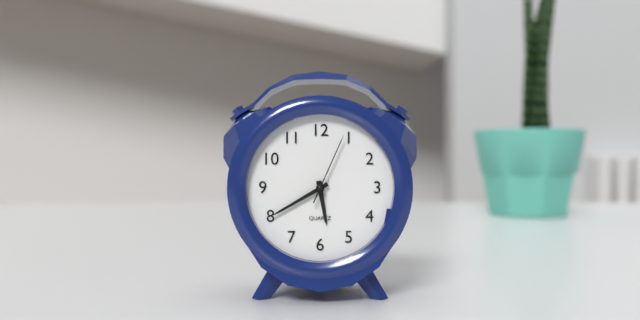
5 h 40 min 04 s
